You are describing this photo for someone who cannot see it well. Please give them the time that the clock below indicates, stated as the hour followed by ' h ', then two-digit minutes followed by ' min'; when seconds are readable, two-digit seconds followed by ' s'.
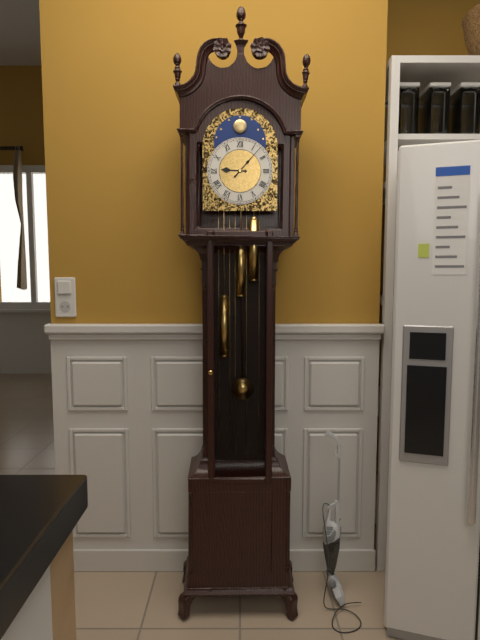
9 h 07 min
